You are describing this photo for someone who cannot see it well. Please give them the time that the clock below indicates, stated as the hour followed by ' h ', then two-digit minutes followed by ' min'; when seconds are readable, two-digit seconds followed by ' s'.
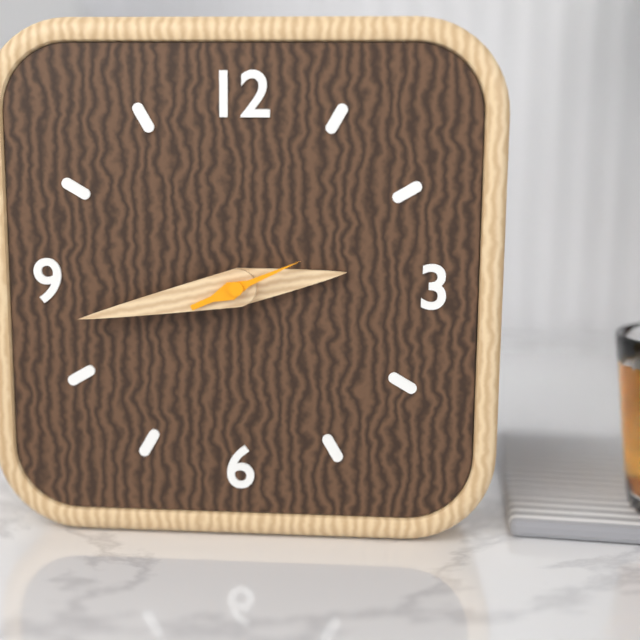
2 h 43 min 11 s
